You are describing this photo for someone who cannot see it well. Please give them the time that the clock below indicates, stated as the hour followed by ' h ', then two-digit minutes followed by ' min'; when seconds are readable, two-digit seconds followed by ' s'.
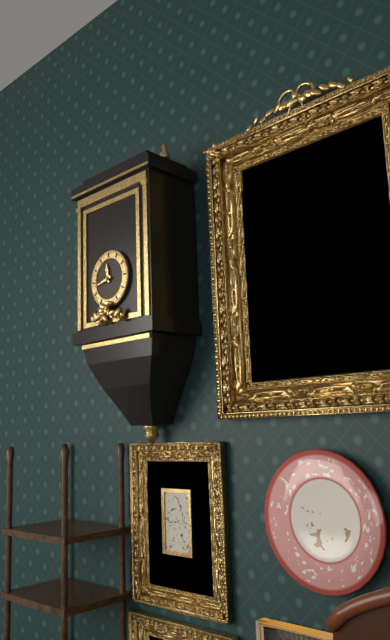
11 h 43 min
